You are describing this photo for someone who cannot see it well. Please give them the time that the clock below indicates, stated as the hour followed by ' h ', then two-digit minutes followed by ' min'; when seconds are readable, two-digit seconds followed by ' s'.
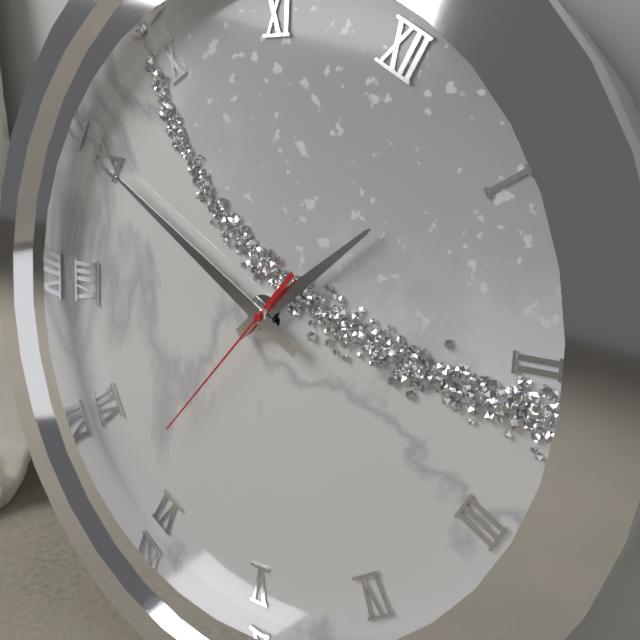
12 h 45 min 32 s
